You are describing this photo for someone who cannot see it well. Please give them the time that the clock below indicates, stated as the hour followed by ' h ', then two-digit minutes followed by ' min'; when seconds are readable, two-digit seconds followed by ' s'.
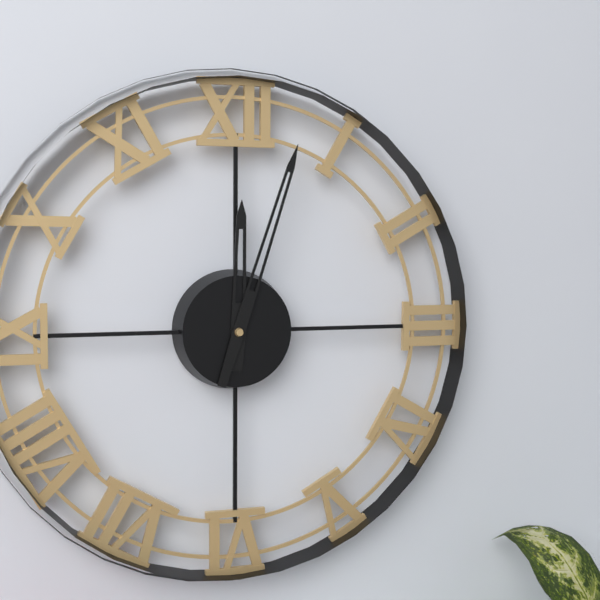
12 h 03 min
